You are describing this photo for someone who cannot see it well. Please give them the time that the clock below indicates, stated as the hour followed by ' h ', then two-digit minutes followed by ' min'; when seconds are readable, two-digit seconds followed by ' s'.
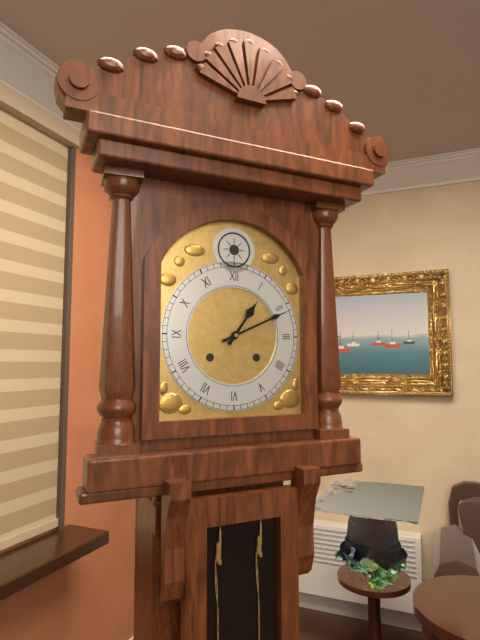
1 h 11 min
